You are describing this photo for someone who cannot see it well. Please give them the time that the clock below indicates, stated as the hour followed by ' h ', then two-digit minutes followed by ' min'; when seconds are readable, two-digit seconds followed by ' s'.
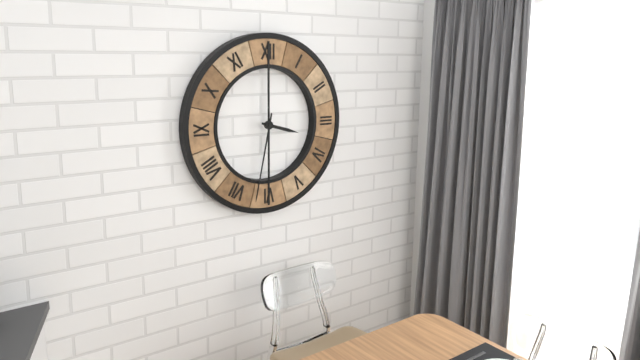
3 h 32 min
